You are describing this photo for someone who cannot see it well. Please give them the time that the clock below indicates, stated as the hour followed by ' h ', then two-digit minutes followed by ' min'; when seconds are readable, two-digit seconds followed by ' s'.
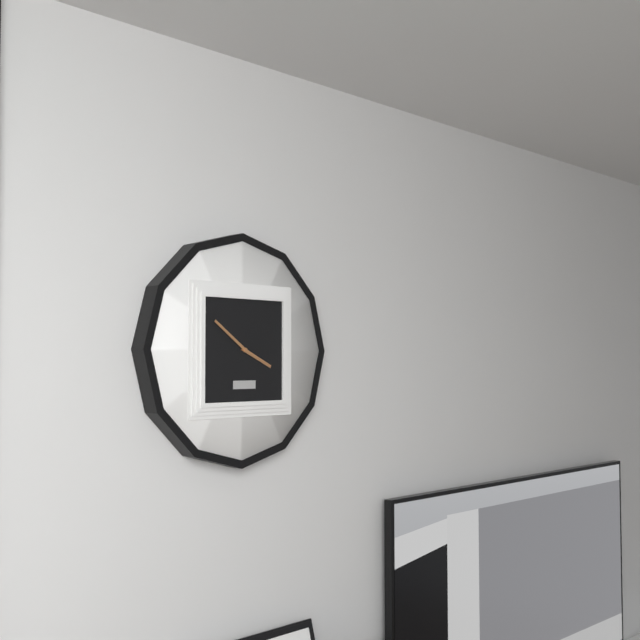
3 h 51 min
